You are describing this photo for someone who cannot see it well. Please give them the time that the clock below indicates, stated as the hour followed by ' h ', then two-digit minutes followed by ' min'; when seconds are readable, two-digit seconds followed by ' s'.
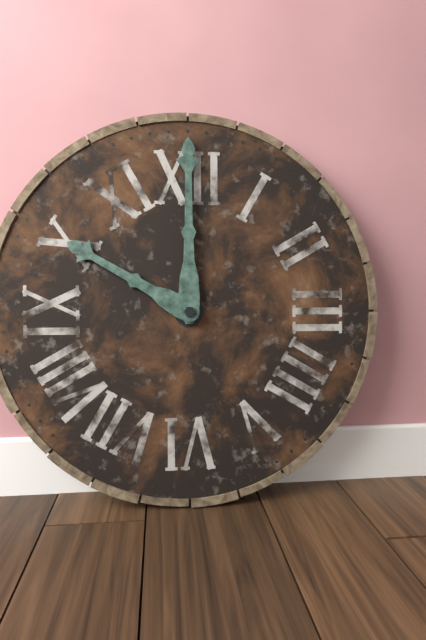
10 h 00 min
